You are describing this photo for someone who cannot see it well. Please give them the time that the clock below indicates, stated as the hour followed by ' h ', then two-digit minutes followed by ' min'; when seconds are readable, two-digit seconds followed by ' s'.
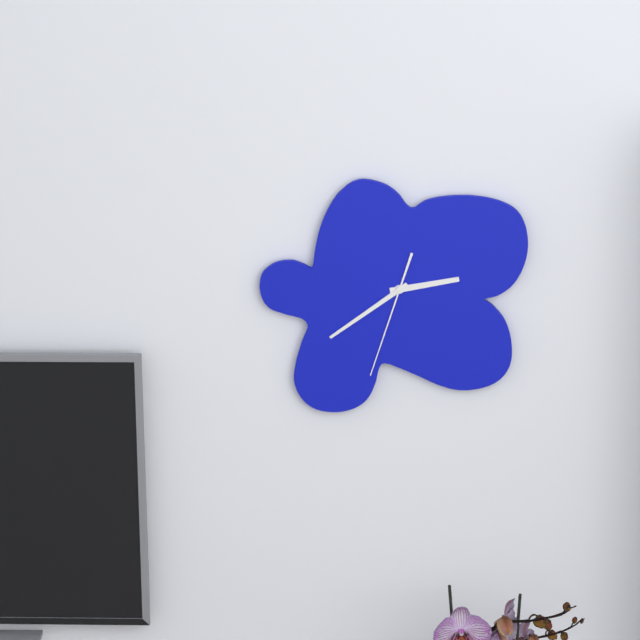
2 h 39 min 33 s
